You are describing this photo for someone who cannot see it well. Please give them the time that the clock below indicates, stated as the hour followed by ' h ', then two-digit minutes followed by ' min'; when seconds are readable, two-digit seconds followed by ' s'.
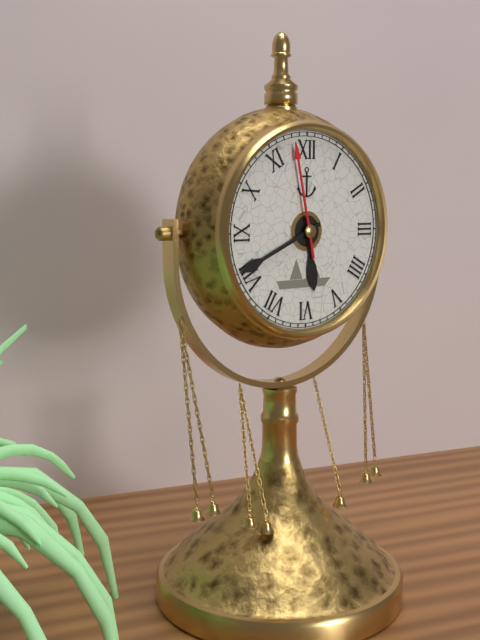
5 h 41 min 58 s
